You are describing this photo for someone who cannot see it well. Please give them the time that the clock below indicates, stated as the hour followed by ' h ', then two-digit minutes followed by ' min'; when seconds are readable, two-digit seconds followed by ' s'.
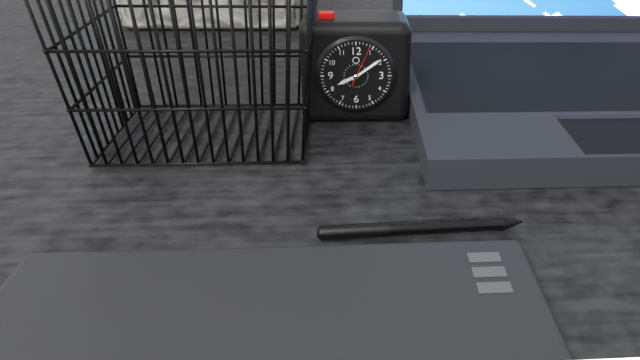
8 h 09 min
